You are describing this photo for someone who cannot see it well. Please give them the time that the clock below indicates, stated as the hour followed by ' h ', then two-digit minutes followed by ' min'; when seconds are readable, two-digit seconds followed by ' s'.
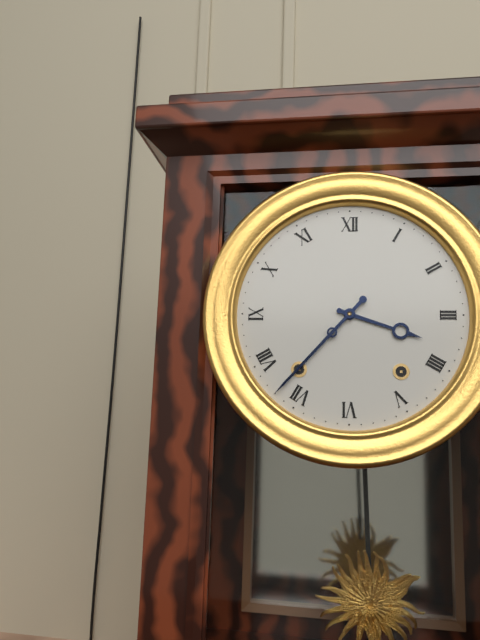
3 h 37 min
